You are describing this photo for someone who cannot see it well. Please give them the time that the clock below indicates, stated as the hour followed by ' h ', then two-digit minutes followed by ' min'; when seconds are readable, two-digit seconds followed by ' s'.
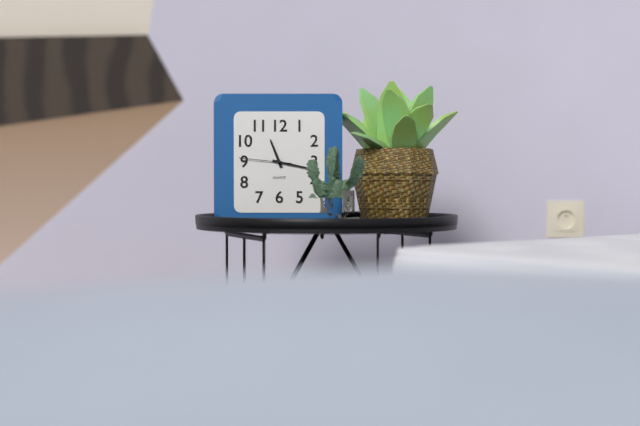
11 h 17 min 46 s
